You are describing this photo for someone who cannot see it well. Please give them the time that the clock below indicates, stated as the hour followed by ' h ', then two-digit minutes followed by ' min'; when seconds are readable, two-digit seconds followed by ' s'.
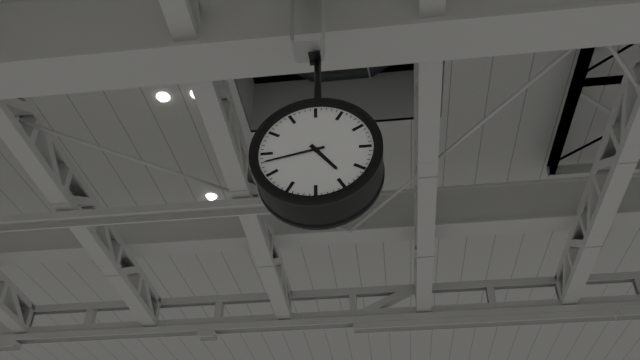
4 h 43 min
